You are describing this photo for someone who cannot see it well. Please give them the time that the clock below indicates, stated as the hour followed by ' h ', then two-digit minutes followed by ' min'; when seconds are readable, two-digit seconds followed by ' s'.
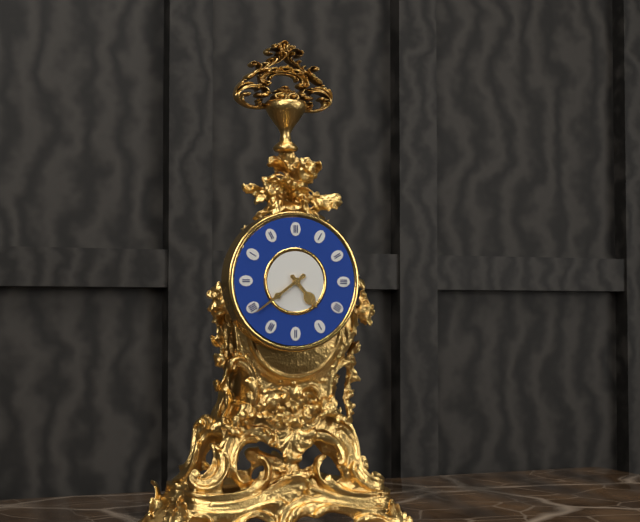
4 h 39 min
